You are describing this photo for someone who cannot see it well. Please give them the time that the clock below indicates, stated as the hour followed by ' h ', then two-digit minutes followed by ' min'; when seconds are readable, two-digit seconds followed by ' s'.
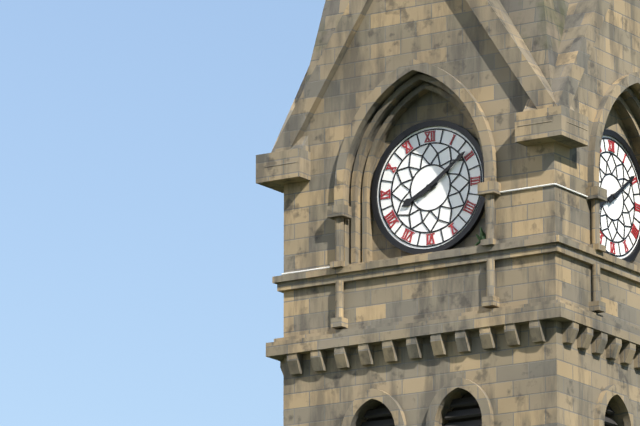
8 h 09 min
